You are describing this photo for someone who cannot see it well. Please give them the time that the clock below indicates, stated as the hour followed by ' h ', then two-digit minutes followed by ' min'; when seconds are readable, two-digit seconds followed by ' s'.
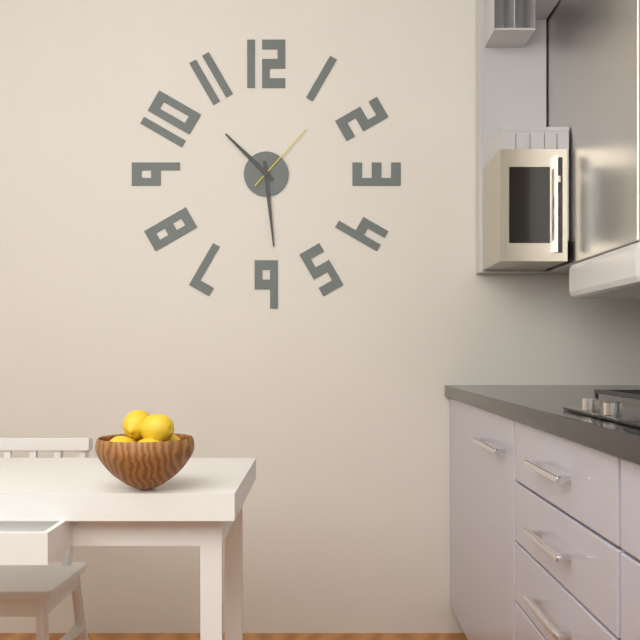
10 h 29 min 07 s
